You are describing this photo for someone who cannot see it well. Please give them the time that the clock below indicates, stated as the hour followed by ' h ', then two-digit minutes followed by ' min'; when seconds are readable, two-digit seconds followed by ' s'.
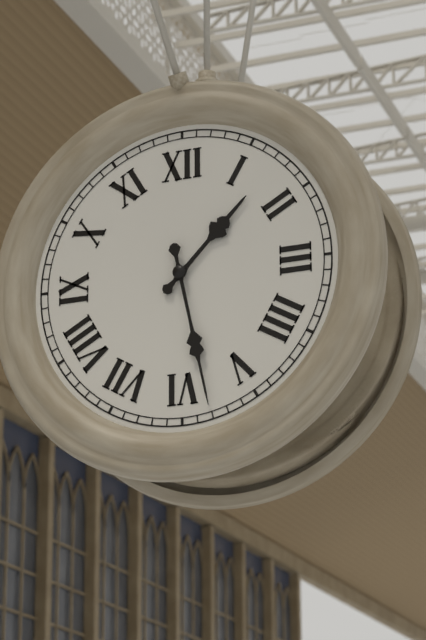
1 h 28 min
